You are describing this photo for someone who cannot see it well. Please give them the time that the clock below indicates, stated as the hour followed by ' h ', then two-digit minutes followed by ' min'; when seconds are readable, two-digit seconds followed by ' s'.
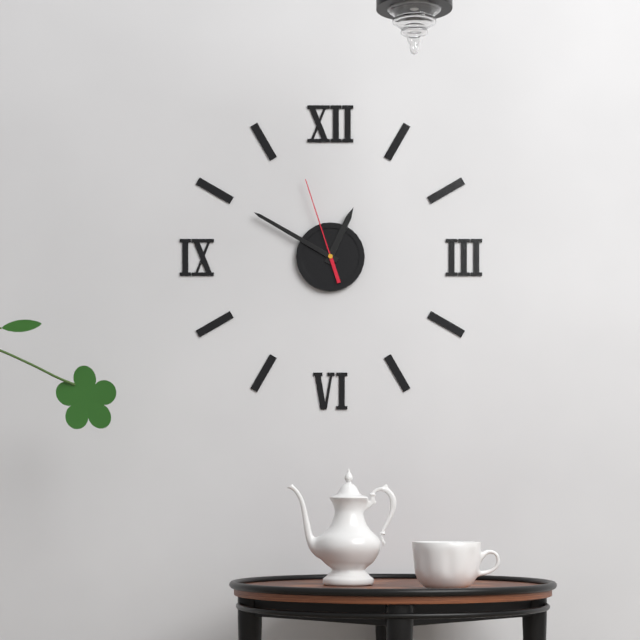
12 h 50 min 57 s
